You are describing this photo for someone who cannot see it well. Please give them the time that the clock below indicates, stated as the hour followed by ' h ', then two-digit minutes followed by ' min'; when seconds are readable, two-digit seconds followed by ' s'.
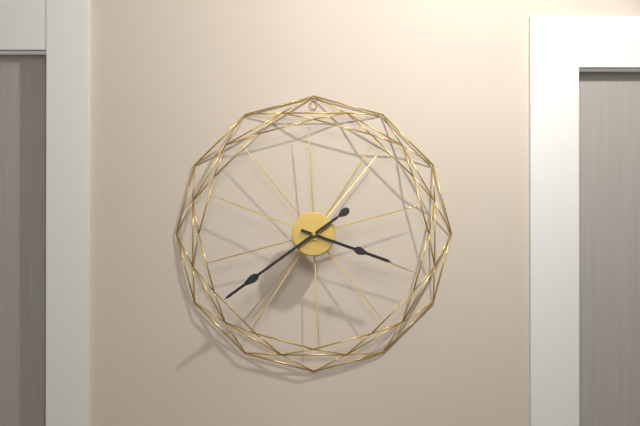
3 h 39 min
